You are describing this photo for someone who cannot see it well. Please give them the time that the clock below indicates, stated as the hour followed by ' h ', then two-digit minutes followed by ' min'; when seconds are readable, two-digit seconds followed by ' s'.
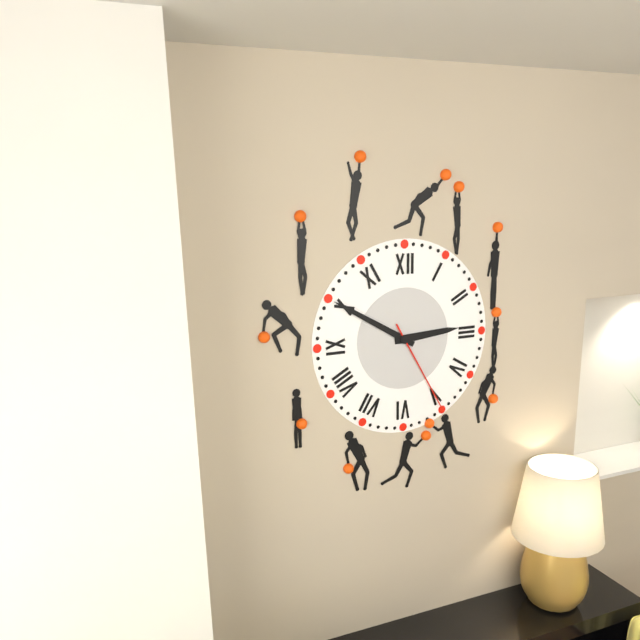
2 h 50 min 25 s
